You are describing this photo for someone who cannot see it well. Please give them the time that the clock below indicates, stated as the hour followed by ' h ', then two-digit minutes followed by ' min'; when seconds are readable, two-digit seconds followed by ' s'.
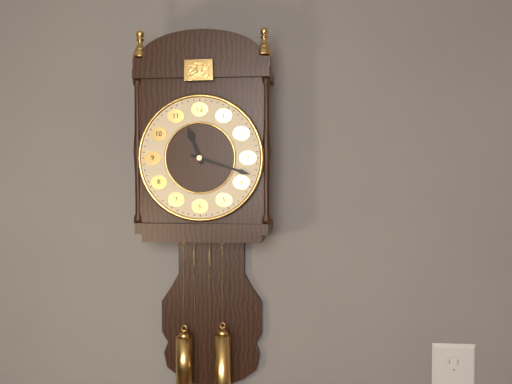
11 h 18 min
